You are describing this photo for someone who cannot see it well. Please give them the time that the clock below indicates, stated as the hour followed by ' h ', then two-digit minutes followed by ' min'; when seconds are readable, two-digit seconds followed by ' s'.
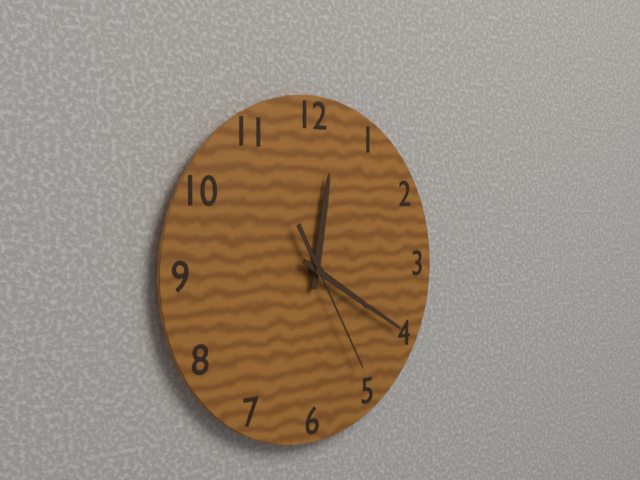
12 h 20 min 25 s
